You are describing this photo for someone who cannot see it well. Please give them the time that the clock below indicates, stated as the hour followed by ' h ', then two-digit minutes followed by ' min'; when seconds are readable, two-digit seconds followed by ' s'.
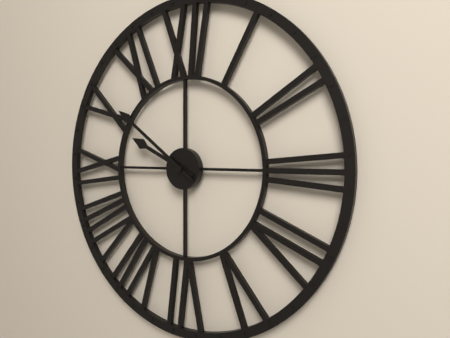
9 h 51 min
